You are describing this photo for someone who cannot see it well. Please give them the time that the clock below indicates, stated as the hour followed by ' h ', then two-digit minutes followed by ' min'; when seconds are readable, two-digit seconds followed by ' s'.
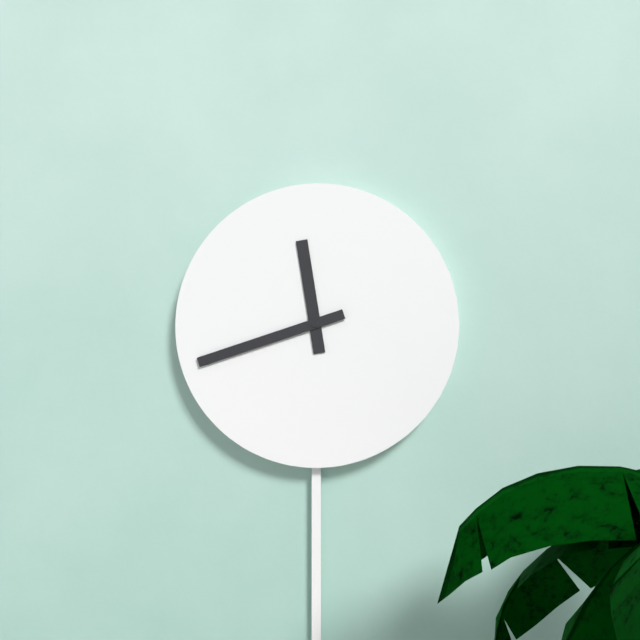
11 h 42 min
